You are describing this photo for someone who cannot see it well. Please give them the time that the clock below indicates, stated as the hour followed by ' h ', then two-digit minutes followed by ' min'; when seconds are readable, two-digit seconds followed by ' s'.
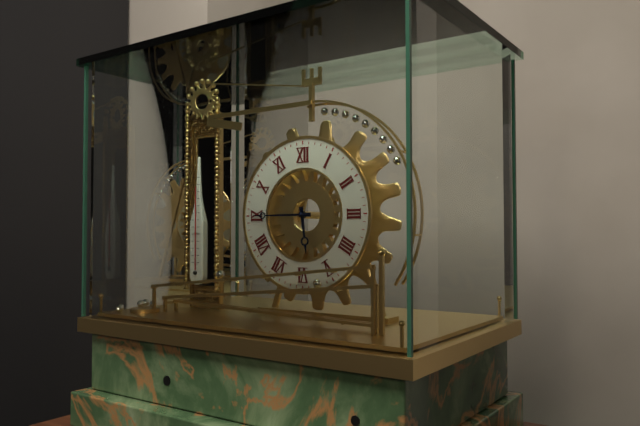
5 h 45 min
